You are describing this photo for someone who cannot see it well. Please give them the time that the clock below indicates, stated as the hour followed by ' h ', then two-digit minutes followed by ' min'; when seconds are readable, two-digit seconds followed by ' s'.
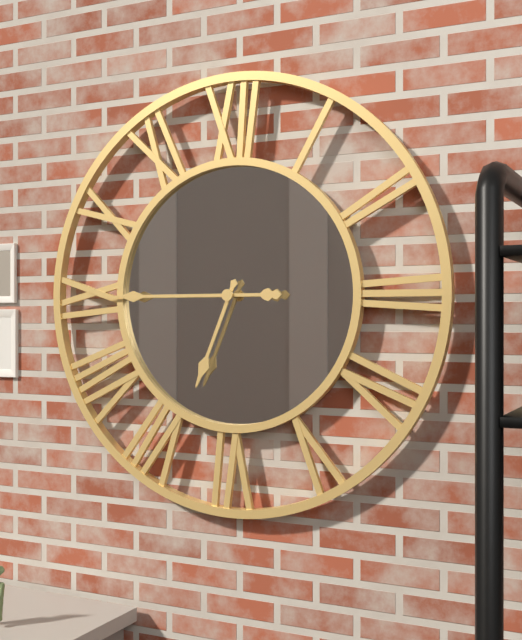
6 h 45 min
